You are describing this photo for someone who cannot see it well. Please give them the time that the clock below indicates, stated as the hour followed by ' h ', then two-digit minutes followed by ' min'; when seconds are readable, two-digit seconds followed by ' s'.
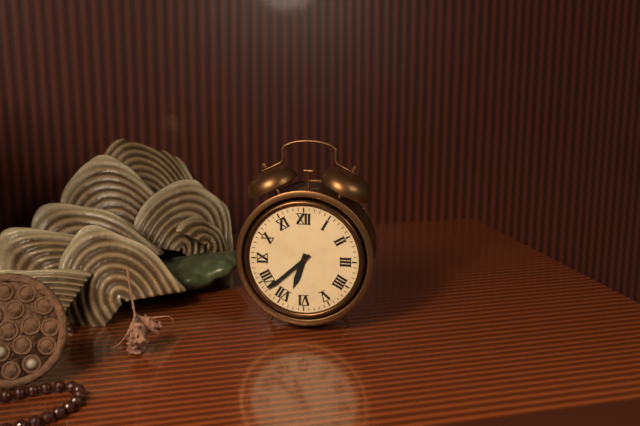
6 h 38 min
